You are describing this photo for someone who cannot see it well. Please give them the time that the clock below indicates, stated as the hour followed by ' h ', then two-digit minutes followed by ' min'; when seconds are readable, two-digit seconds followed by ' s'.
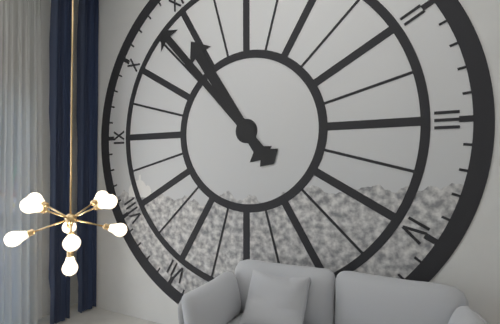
10 h 53 min
